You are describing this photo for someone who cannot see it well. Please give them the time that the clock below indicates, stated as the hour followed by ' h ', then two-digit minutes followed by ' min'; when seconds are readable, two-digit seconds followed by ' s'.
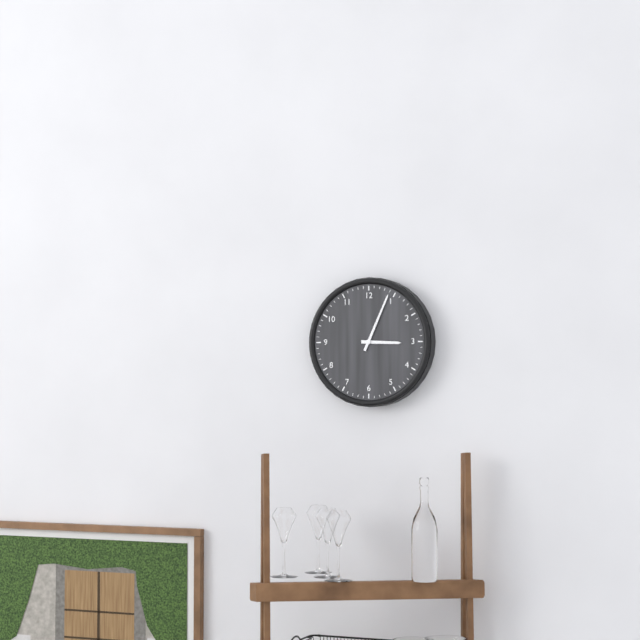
3 h 04 min
